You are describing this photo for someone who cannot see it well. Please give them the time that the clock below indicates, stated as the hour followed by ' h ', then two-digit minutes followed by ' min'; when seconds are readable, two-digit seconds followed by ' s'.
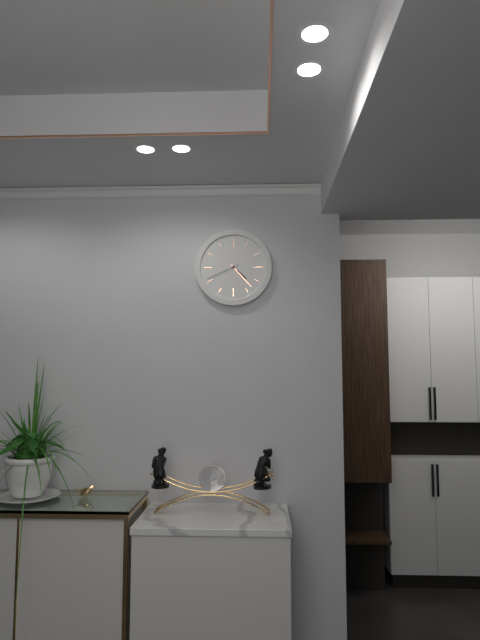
4 h 23 min
